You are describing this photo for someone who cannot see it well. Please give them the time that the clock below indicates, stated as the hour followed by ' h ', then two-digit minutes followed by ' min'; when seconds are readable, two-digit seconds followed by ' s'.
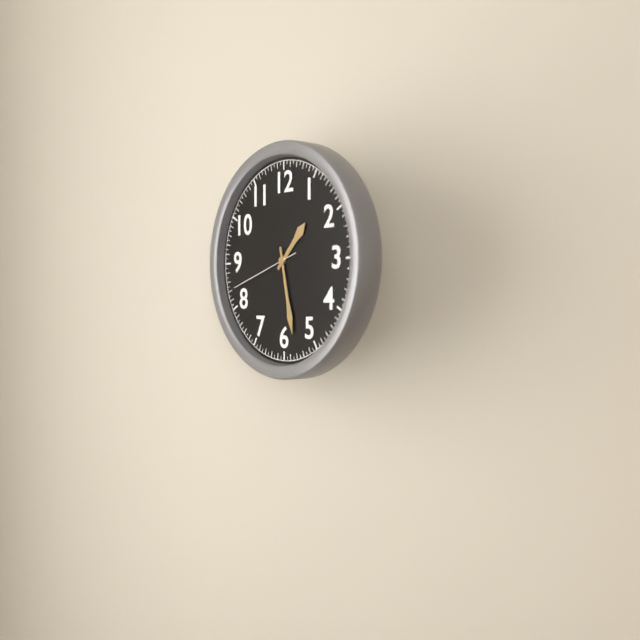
1 h 28 min 42 s
